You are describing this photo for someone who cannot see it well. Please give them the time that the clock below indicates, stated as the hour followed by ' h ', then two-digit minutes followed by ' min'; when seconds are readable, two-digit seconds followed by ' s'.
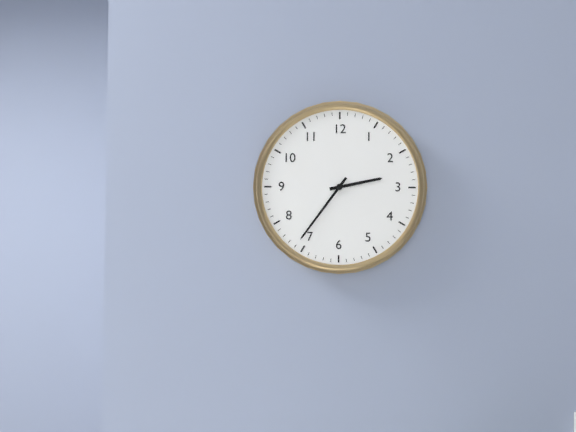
2 h 36 min
